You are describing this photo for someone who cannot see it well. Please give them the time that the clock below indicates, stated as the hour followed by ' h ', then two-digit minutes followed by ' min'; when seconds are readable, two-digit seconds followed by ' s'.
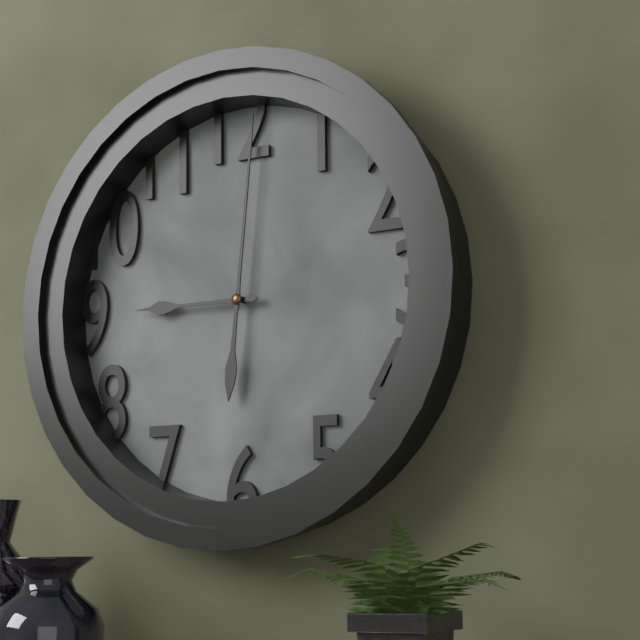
9 h 01 min
